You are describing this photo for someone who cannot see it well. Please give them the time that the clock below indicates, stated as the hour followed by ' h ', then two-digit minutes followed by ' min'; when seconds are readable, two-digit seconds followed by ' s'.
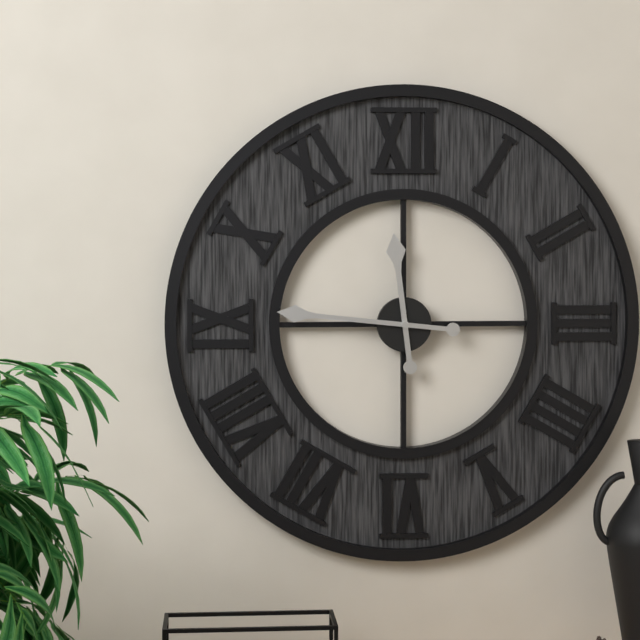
11 h 46 min
